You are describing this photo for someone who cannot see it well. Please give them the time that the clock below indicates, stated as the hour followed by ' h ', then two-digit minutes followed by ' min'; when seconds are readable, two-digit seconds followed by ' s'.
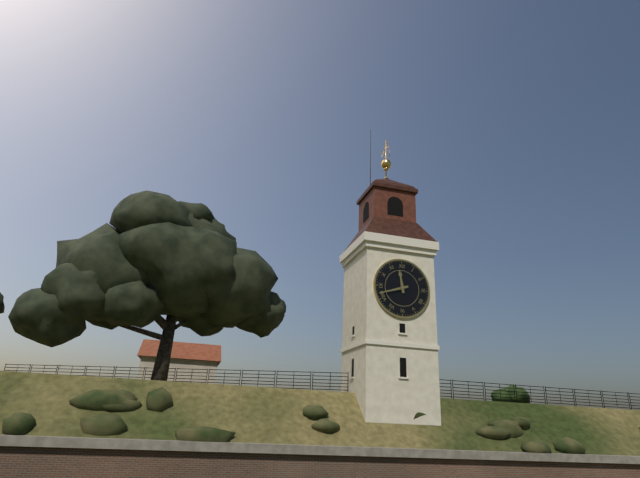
11 h 42 min
